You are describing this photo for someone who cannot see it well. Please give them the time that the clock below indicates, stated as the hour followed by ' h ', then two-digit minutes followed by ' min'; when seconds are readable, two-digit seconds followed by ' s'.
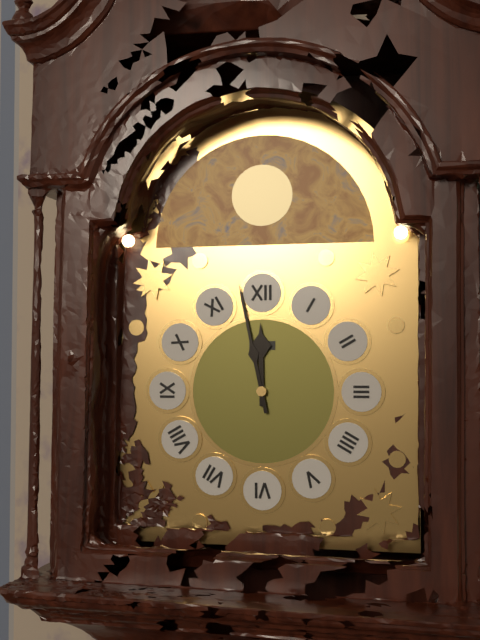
11 h 58 min
